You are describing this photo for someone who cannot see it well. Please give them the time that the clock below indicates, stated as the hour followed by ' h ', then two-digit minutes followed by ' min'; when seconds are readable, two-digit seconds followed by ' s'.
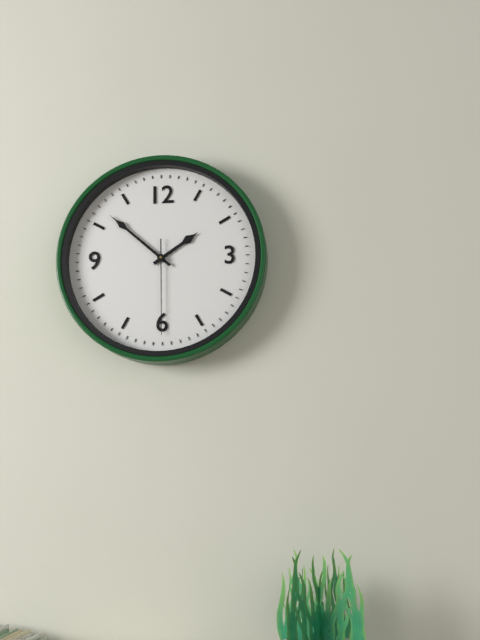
1 h 52 min 30 s
